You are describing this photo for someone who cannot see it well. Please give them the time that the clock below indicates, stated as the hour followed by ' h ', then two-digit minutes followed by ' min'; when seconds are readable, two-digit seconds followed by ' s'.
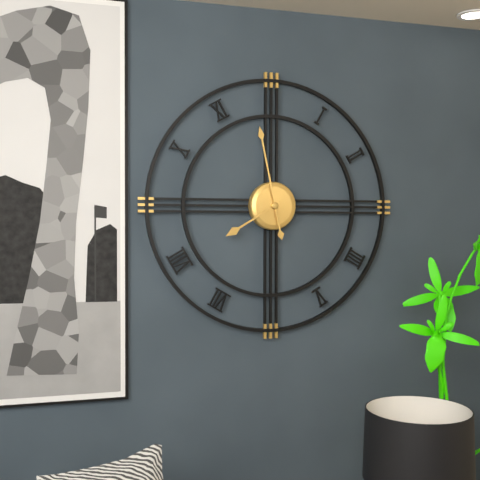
7 h 58 min
